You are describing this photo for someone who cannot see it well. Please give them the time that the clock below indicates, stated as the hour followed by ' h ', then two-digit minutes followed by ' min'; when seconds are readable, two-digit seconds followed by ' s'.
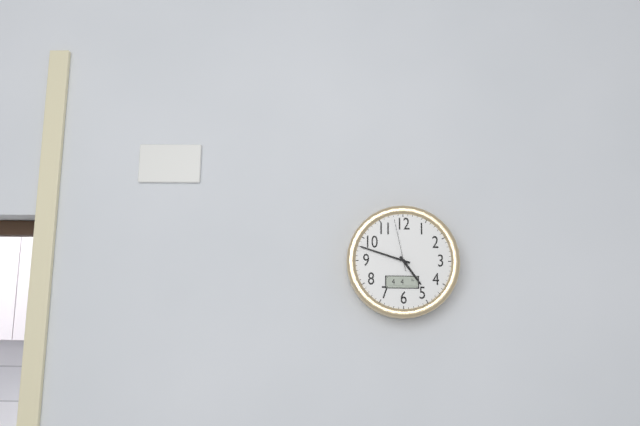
4 h 48 min 58 s
